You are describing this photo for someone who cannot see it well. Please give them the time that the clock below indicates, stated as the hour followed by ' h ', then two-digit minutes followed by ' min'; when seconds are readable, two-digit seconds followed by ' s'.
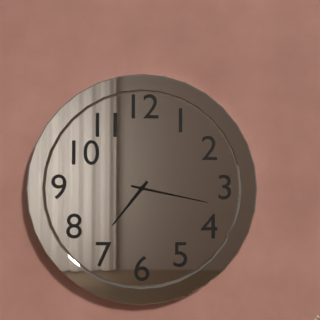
7 h 17 min
